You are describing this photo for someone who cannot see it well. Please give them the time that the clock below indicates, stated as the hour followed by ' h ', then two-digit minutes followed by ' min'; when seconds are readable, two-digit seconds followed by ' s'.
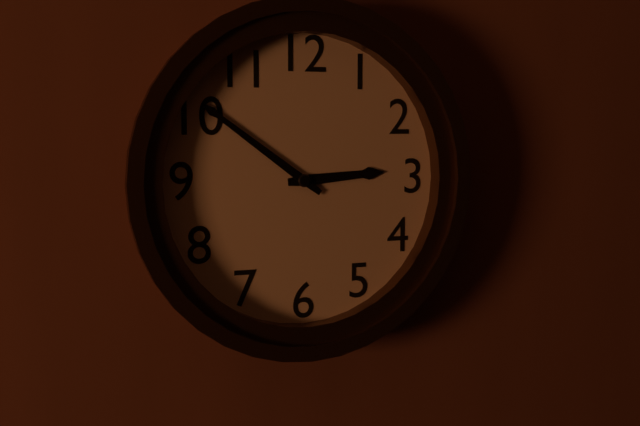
2 h 51 min
